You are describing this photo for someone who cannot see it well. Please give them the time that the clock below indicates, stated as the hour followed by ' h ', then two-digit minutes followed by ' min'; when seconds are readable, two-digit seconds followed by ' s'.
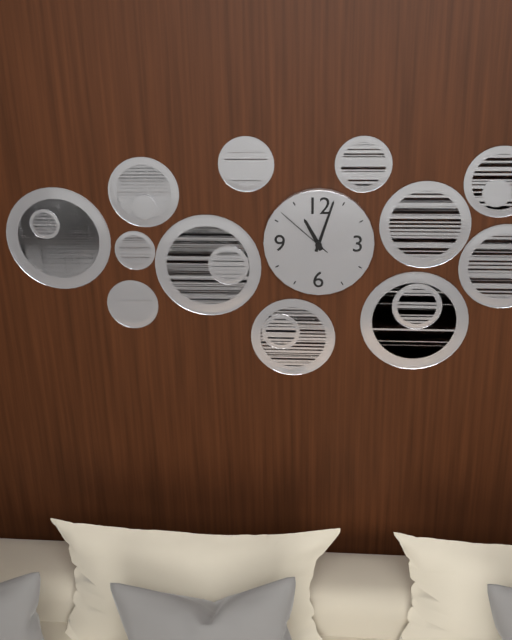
11 h 03 min 52 s
